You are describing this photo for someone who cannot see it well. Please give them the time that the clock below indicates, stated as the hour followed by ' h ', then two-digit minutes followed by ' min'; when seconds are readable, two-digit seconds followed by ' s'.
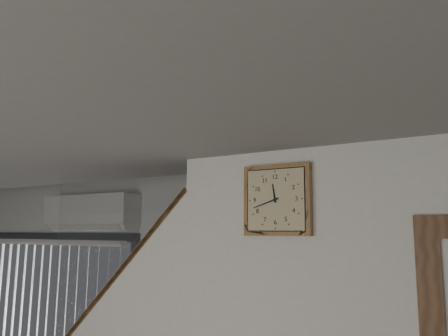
11 h 42 min
